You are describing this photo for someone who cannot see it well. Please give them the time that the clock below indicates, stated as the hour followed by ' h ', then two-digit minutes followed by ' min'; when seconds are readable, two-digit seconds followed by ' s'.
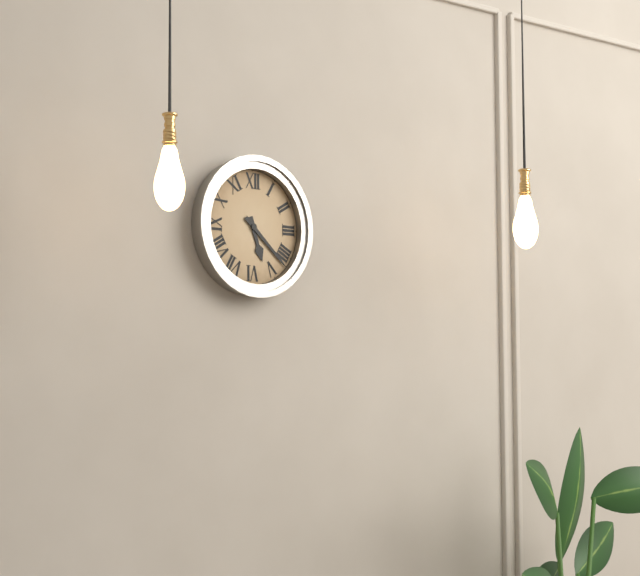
5 h 22 min
